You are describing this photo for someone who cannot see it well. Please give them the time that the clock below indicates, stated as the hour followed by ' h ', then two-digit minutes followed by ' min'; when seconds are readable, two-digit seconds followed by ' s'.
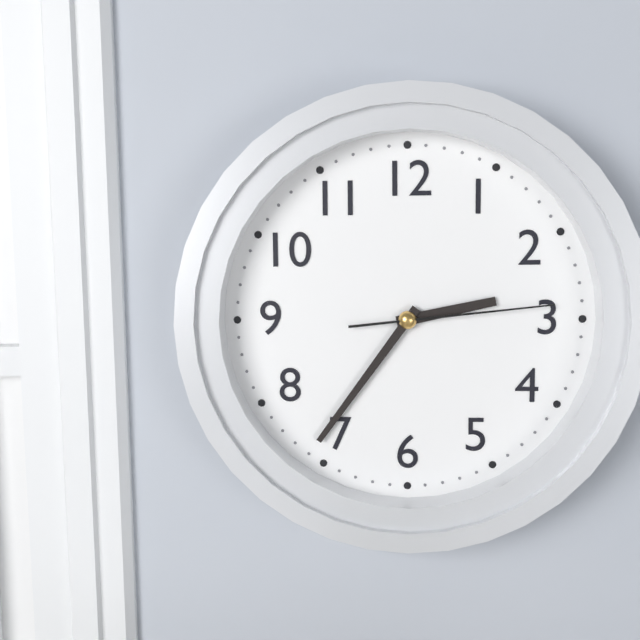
2 h 36 min 14 s
